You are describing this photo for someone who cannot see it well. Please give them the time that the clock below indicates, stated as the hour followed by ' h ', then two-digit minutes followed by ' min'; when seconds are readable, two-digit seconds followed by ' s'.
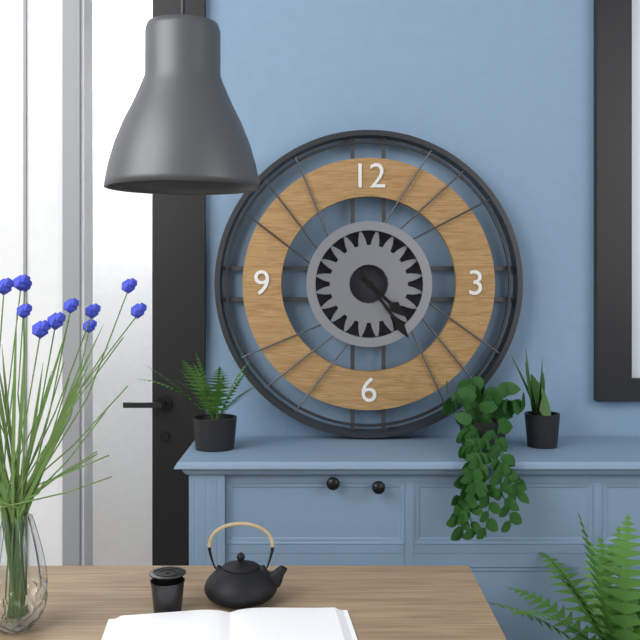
4 h 24 min
